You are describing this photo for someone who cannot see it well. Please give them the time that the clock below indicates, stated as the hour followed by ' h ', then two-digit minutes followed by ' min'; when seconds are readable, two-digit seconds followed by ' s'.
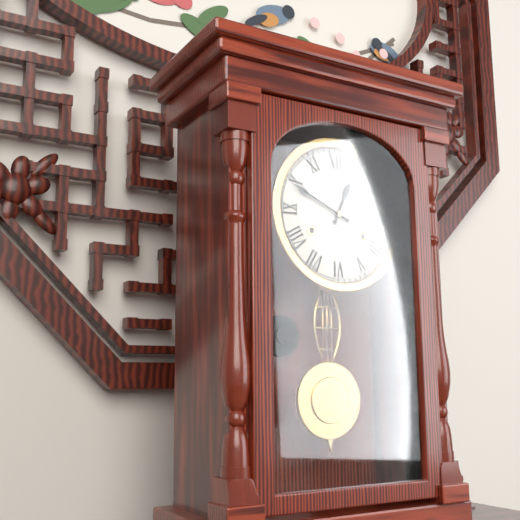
12 h 49 min
